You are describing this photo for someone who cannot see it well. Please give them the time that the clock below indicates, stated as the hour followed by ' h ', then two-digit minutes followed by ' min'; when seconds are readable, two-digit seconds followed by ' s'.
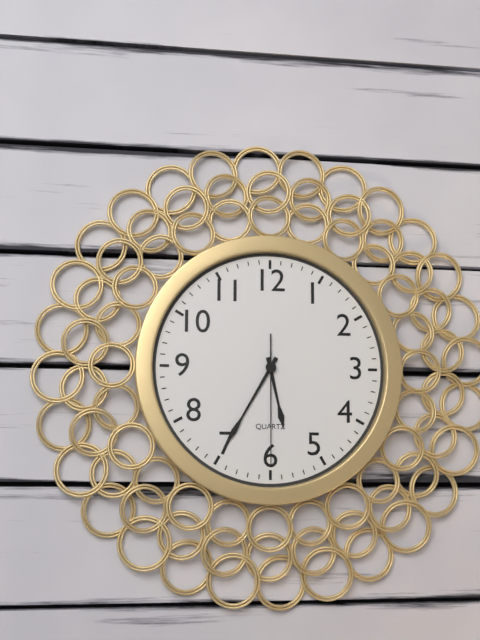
5 h 35 min 30 s
